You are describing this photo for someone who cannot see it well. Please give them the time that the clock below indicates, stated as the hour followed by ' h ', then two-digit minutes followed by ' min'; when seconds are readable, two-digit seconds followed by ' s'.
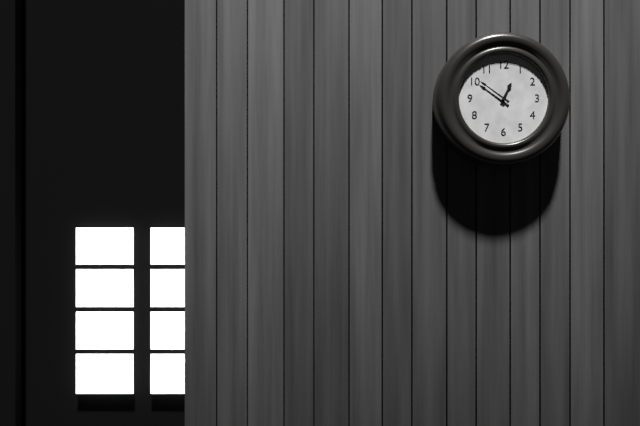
12 h 51 min
